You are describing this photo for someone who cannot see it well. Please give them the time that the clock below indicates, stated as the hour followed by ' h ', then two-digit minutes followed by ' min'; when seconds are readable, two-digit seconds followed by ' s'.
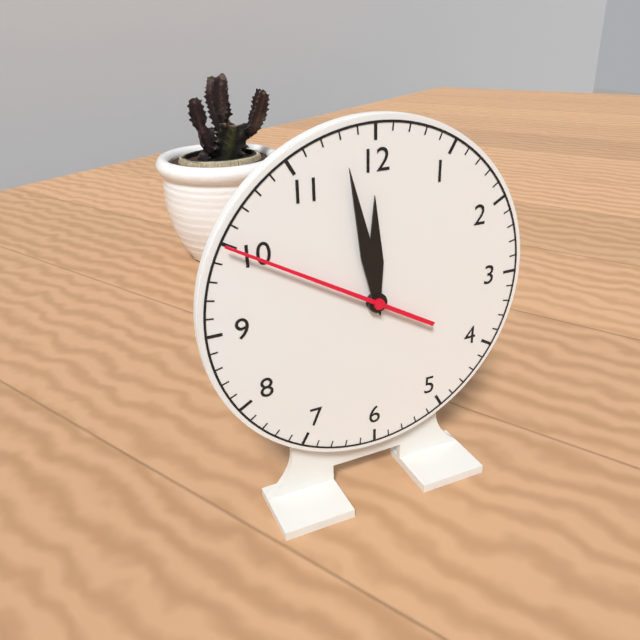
11 h 58 min 50 s
